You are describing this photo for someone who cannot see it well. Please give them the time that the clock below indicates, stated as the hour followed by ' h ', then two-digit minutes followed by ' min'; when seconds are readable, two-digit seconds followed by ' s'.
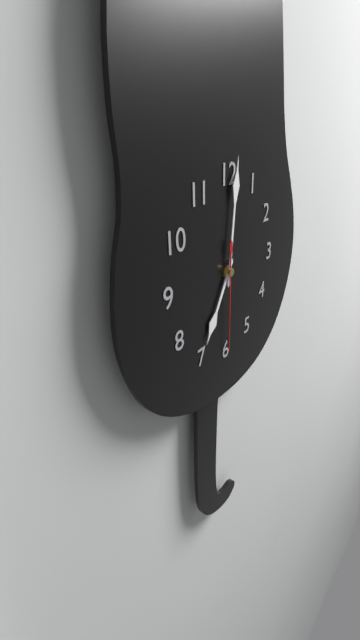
7 h 01 min 30 s
